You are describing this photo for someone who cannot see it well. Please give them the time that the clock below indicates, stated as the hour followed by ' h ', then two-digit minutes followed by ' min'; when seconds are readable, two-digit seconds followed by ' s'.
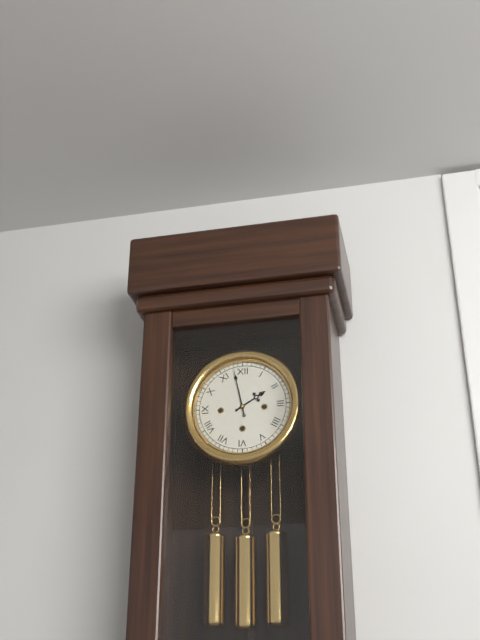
1 h 58 min
